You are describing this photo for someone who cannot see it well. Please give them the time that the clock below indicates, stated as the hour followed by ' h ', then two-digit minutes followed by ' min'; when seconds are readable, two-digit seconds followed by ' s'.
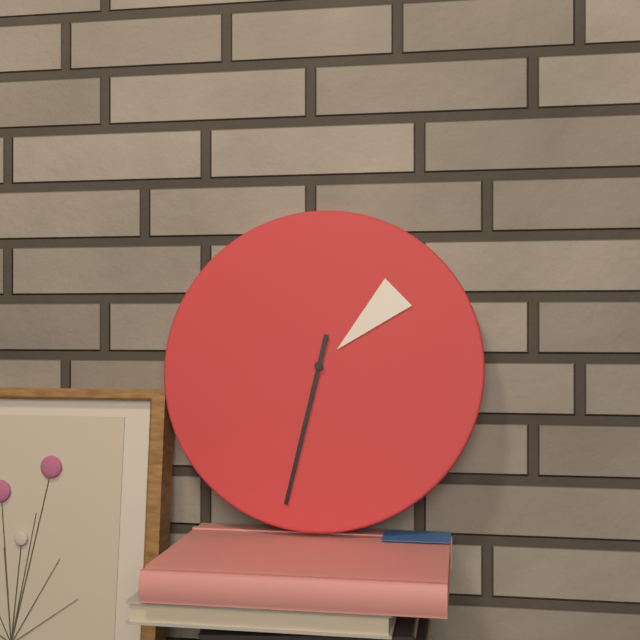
1 h 32 min
